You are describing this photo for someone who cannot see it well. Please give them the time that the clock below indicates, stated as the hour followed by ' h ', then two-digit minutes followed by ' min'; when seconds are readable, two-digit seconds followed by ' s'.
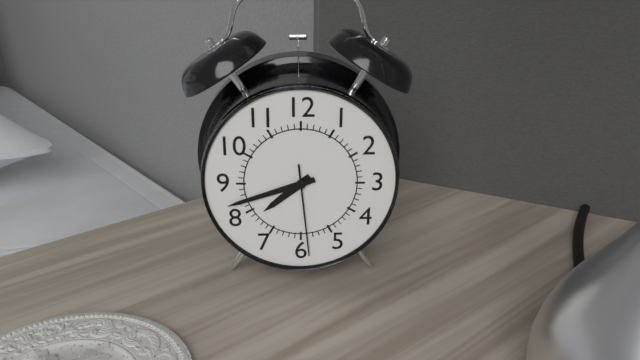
7 h 42 min 29 s
